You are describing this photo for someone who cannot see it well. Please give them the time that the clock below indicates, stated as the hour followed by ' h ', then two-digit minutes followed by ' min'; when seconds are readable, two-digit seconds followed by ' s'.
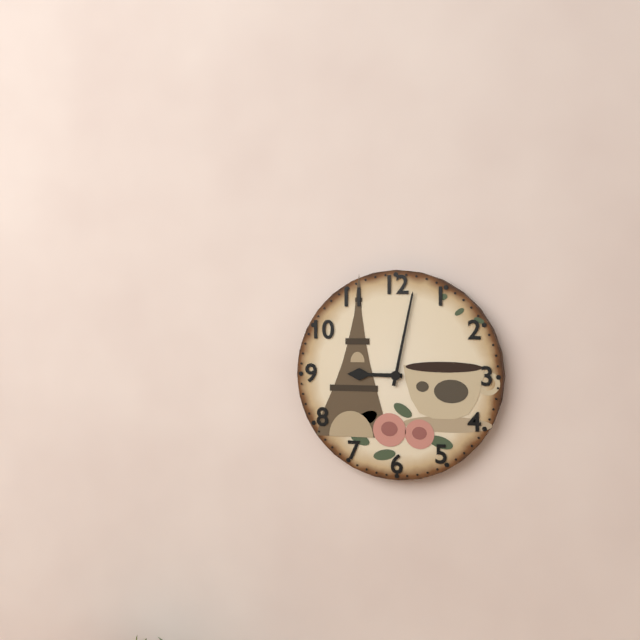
9 h 02 min
